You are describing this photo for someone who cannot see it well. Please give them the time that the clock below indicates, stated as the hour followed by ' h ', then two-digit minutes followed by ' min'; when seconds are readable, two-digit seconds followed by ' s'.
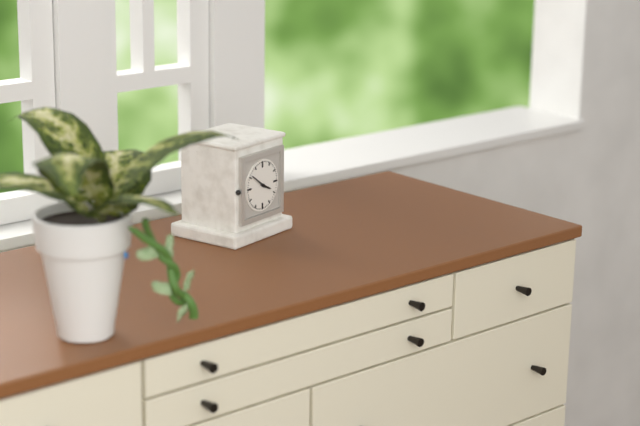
3 h 51 min
